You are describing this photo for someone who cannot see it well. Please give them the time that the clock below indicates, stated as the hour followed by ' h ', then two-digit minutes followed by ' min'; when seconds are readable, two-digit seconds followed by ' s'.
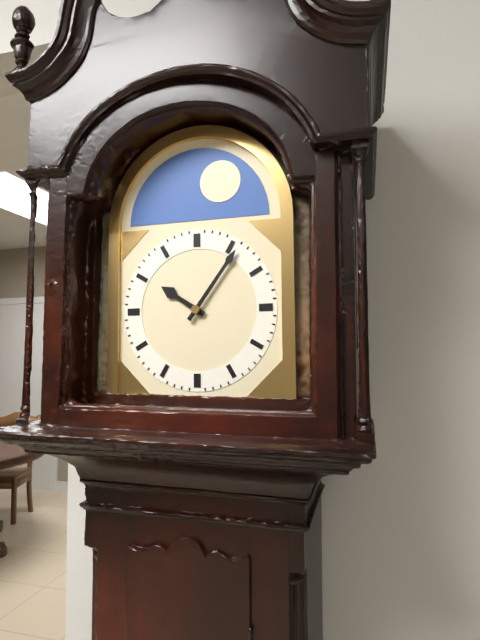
10 h 06 min
